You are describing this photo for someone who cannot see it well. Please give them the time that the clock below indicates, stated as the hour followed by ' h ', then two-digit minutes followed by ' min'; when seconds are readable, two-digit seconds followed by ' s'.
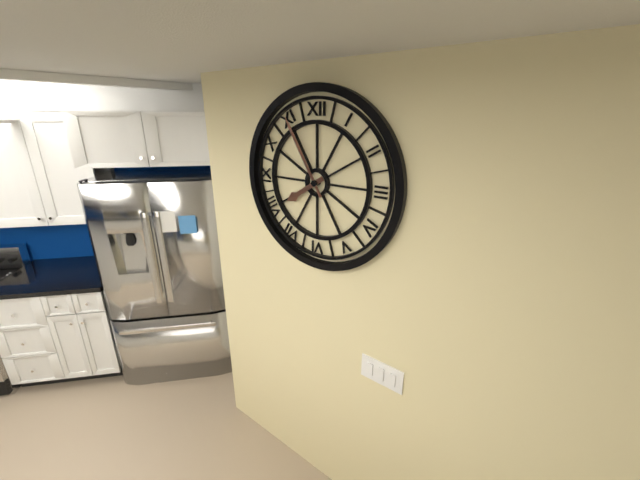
7 h 55 min
